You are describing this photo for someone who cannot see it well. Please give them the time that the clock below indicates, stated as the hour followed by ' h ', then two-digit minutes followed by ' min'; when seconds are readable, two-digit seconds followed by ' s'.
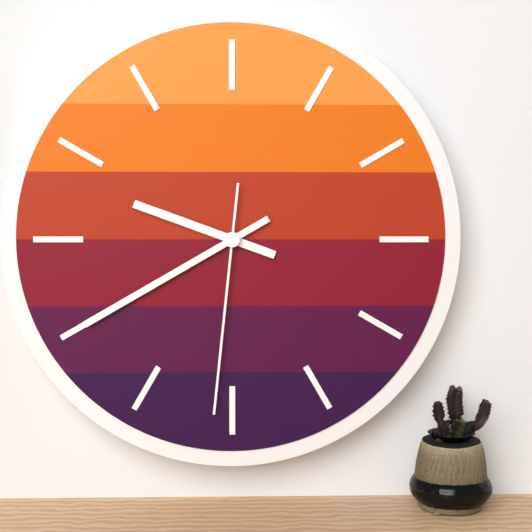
9 h 40 min 31 s
